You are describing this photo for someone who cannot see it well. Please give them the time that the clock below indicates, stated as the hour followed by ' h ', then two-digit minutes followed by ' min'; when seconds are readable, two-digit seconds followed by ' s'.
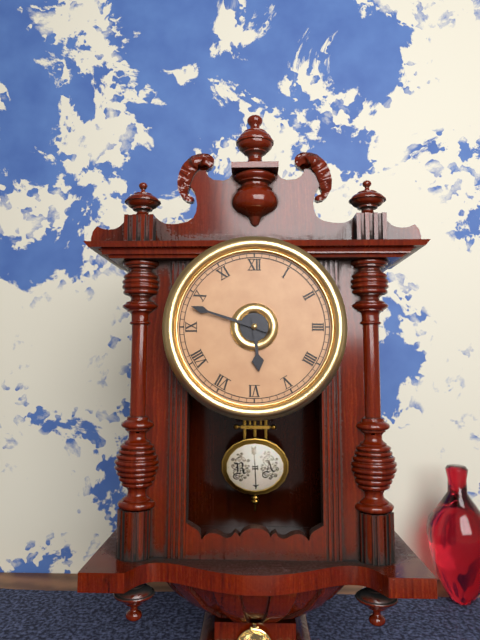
5 h 48 min
